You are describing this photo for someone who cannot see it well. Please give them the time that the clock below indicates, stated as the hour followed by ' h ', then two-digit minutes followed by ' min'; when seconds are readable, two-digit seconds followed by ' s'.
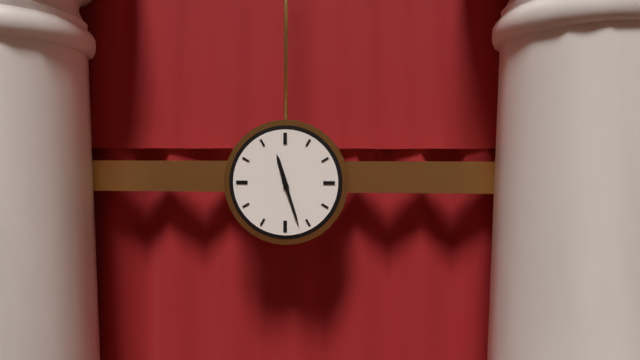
11 h 27 min
